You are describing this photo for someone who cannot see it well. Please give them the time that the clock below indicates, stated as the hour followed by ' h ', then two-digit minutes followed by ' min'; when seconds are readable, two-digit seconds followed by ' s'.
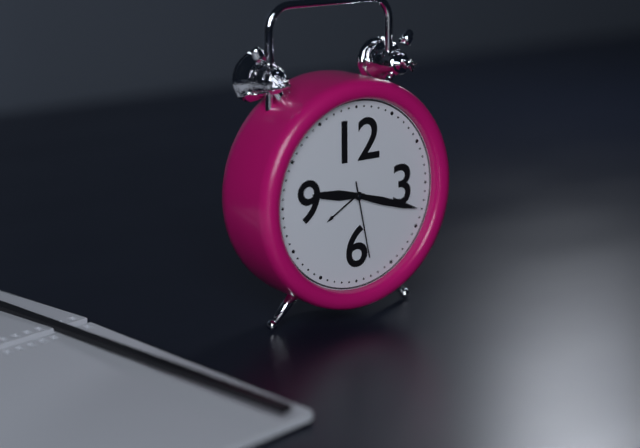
9 h 18 min 28 s
